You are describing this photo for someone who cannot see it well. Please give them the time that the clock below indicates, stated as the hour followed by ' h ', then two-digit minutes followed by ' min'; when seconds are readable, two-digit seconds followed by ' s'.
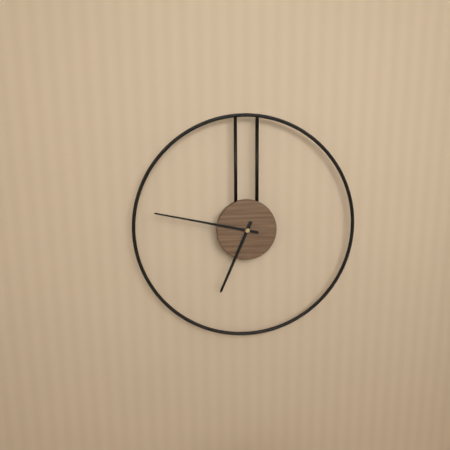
6 h 47 min
